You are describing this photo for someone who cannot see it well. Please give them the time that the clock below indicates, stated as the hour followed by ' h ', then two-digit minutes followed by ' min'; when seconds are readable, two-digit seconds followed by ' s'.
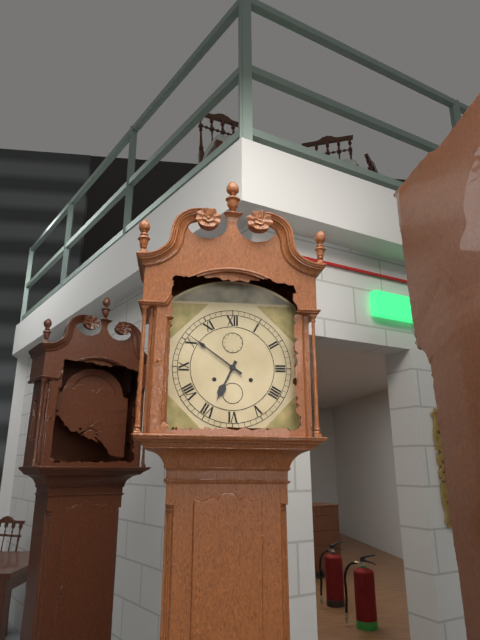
6 h 51 min
